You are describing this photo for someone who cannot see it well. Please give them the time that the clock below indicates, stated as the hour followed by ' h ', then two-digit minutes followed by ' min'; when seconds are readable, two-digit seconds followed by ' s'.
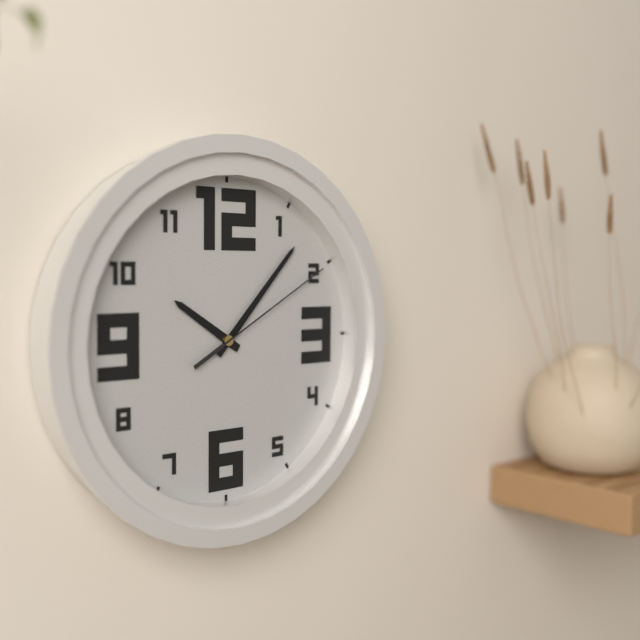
10 h 07 min 10 s
